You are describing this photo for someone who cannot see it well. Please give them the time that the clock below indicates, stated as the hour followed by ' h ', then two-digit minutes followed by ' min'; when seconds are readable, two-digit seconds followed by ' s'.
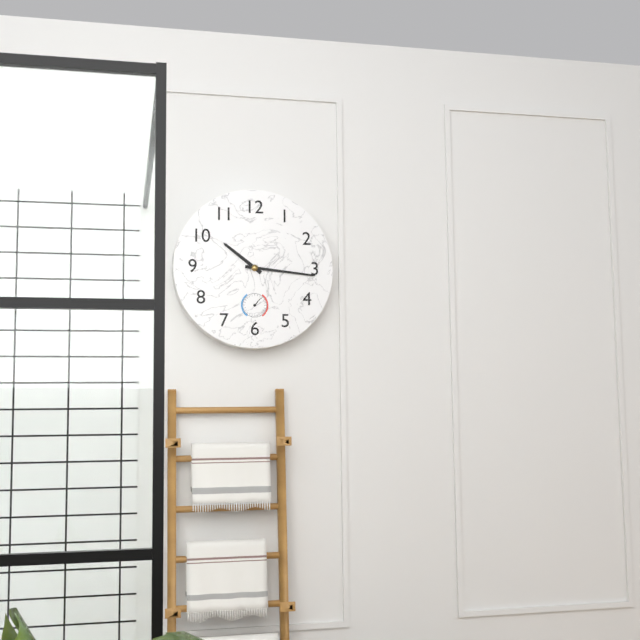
10 h 16 min
